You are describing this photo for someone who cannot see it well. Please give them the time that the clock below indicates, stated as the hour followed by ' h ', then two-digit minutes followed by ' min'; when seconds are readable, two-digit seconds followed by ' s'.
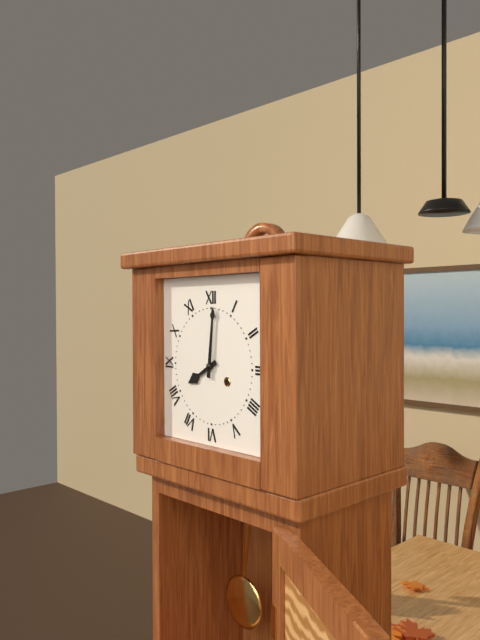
8 h 01 min
